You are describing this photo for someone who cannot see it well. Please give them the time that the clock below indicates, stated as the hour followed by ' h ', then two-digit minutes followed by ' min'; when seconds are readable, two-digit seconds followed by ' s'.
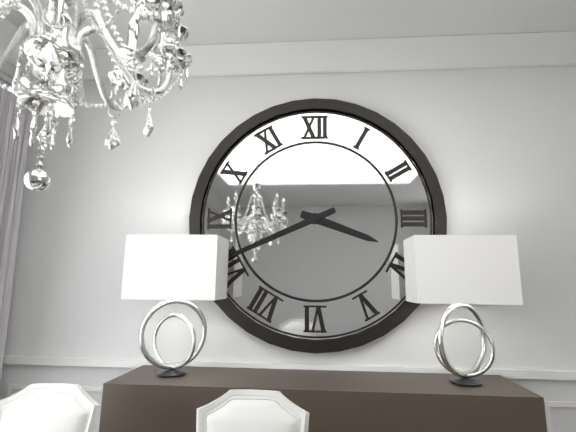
3 h 41 min
